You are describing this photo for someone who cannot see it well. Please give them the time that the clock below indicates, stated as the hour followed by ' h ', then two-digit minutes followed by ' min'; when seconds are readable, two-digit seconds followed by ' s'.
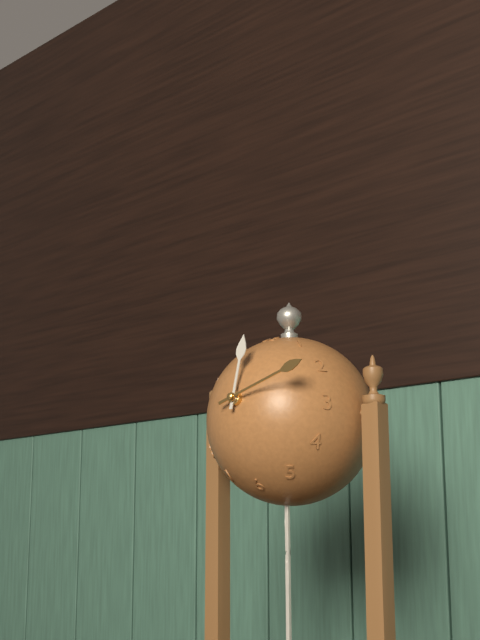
12 h 12 min
